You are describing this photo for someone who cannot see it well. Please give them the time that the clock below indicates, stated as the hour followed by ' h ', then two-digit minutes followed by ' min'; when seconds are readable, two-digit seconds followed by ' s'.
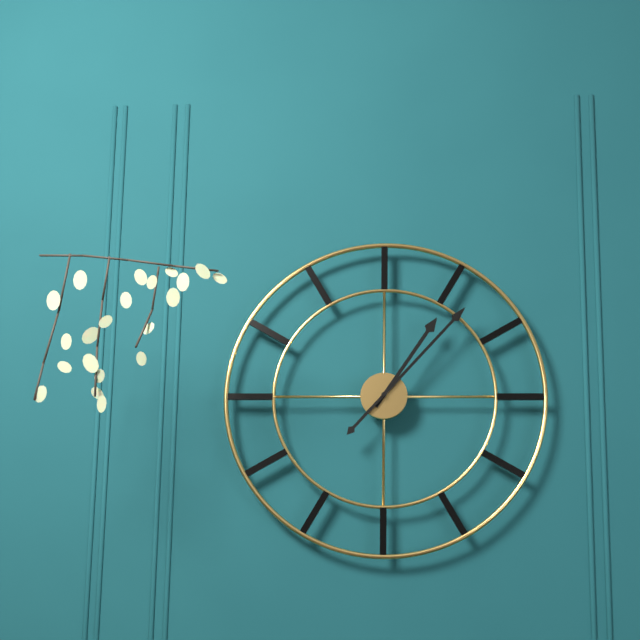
1 h 07 min
